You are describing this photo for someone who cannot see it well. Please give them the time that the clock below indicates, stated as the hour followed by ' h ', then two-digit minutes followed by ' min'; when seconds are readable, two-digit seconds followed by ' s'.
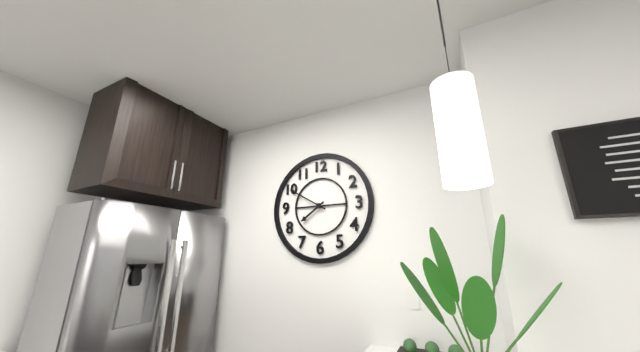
7 h 50 min
